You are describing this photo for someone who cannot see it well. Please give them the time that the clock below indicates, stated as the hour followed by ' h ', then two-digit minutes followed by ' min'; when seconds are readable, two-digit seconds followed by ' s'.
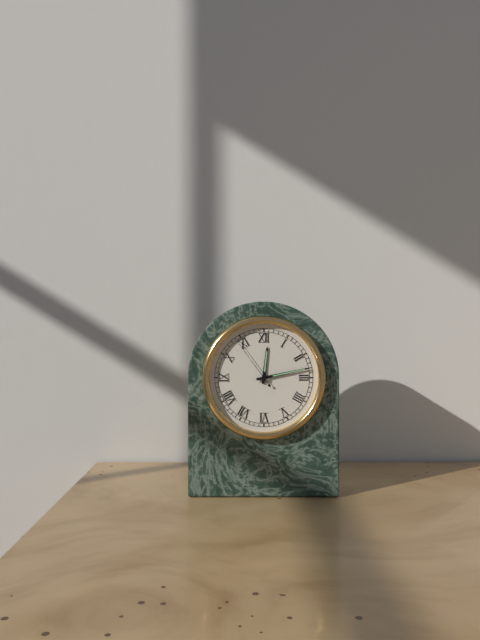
12 h 13 min 54 s
